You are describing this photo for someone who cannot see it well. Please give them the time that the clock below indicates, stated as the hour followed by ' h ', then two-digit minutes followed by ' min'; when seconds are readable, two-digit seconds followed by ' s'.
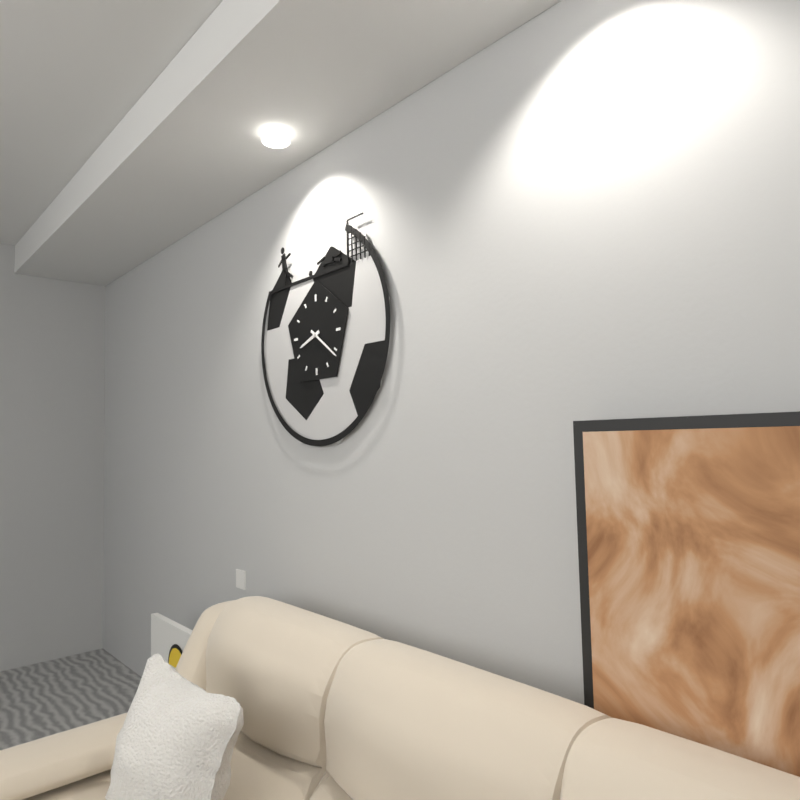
8 h 21 min
